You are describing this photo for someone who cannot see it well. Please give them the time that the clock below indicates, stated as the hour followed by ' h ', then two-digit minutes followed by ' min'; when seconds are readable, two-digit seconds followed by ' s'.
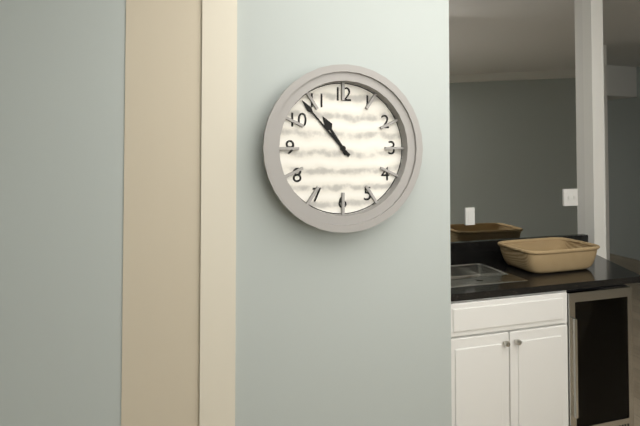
10 h 53 min
